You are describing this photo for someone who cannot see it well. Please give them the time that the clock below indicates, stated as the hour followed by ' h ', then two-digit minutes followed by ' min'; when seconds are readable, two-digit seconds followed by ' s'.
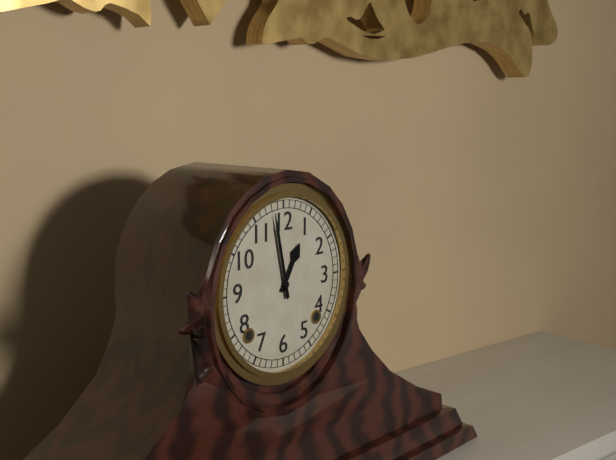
12 h 58 min
